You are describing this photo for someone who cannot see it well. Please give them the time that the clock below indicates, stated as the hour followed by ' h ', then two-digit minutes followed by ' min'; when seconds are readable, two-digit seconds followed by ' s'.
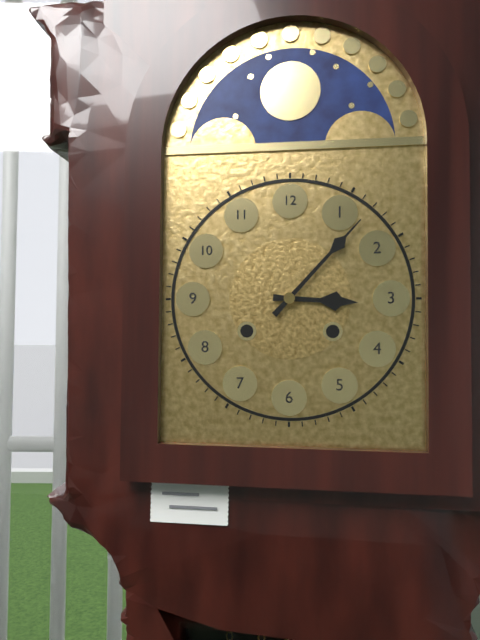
3 h 07 min
